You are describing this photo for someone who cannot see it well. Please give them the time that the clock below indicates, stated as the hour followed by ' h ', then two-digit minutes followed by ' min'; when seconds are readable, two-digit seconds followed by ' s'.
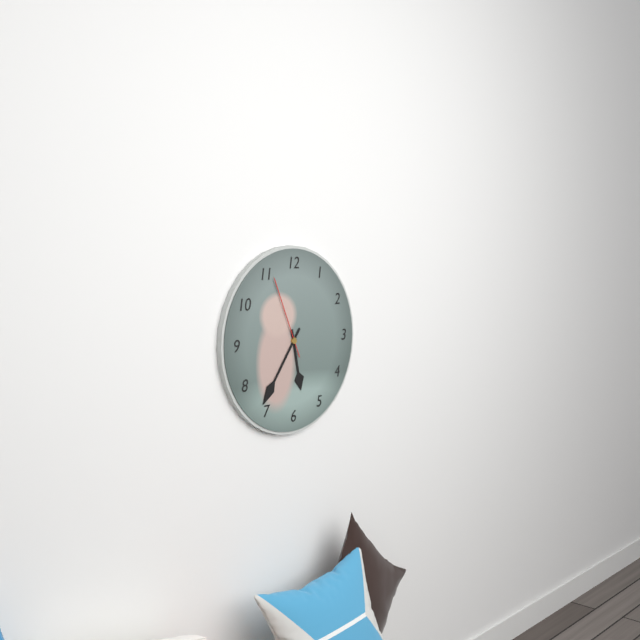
5 h 36 min 56 s
